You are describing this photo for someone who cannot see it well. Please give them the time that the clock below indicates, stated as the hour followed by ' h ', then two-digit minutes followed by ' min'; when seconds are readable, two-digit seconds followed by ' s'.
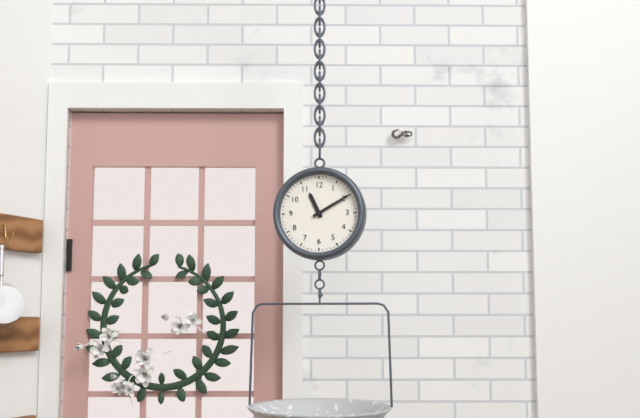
11 h 10 min
